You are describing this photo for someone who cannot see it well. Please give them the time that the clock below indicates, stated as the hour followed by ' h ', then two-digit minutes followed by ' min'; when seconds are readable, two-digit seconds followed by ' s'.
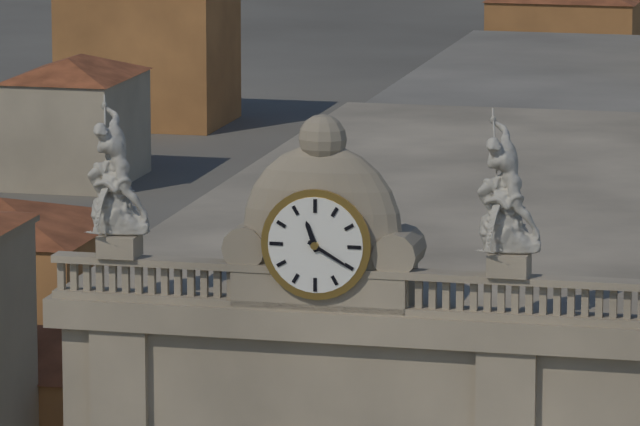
11 h 20 min
